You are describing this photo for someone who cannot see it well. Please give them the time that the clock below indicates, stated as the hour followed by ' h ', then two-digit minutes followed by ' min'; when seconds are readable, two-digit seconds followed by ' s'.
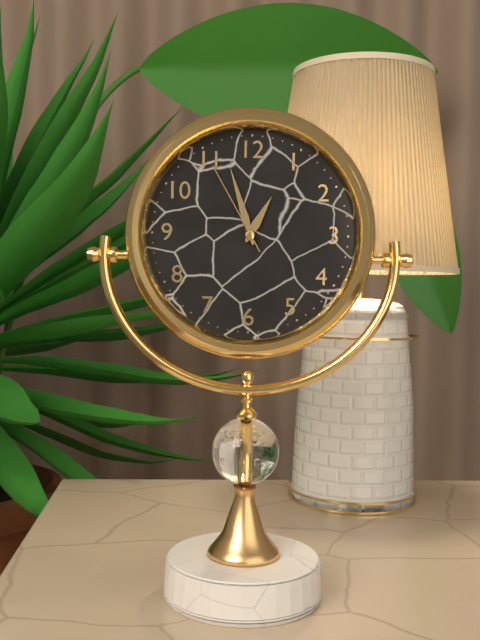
12 h 57 min 55 s
